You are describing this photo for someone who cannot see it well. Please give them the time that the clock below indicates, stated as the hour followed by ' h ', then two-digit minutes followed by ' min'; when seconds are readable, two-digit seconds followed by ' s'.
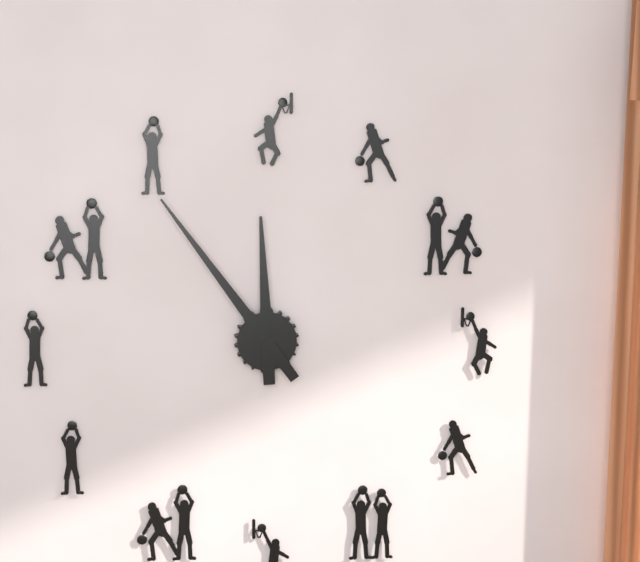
11 h 54 min
